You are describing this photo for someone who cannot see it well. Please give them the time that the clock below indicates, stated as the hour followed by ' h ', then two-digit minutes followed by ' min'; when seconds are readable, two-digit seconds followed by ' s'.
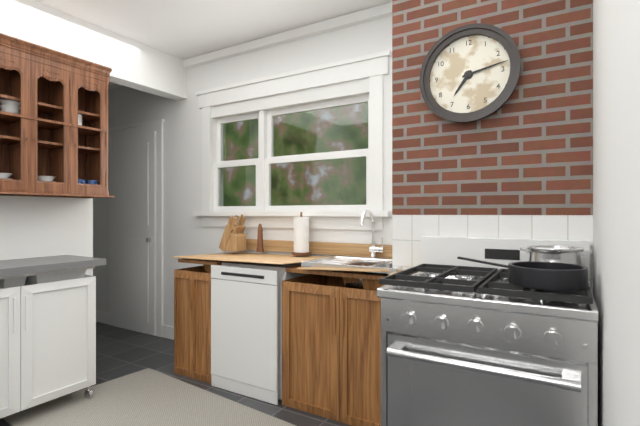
7 h 13 min
